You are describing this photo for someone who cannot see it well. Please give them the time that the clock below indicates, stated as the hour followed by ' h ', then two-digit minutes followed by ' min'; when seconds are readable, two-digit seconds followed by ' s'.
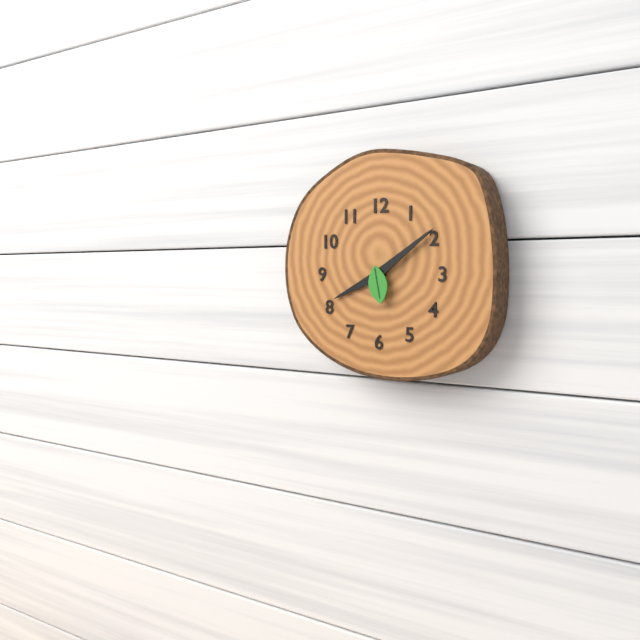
8 h 09 min
